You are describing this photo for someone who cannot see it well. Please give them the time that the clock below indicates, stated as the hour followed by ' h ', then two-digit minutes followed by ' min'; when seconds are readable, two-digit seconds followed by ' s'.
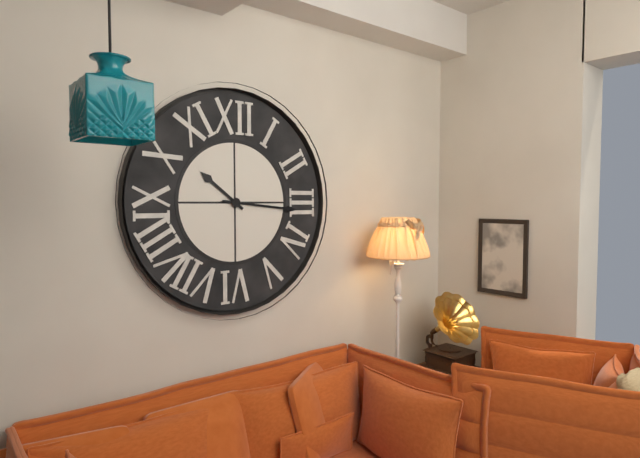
10 h 16 min
